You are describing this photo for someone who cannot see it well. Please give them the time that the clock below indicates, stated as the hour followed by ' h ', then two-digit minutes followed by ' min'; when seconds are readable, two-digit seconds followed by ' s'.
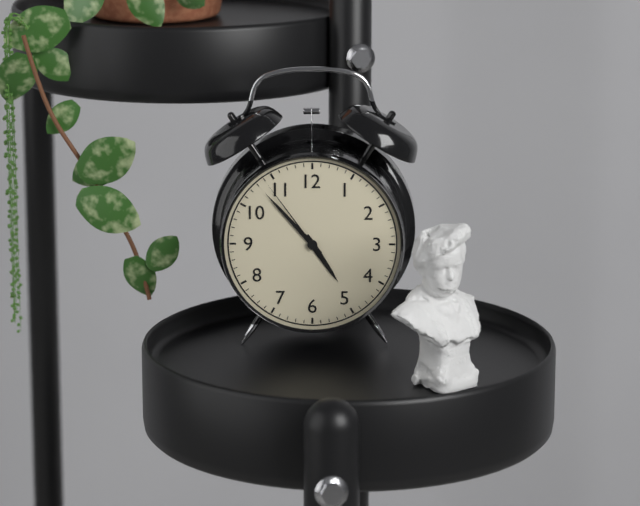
4 h 53 min 54 s
